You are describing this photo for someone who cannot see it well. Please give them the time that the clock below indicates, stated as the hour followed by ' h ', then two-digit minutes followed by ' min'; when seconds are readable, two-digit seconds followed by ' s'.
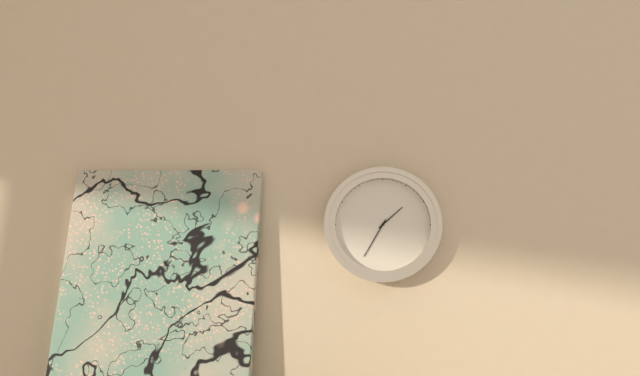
1 h 35 min
